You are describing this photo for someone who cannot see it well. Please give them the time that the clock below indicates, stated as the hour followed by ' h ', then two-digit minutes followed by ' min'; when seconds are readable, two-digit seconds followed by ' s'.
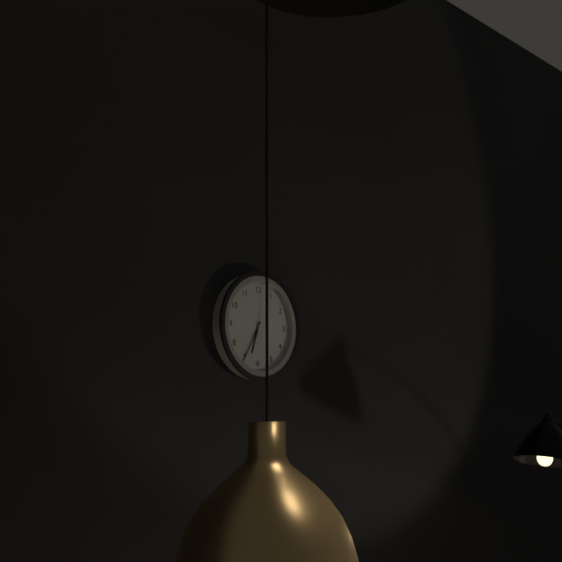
6 h 35 min 01 s
